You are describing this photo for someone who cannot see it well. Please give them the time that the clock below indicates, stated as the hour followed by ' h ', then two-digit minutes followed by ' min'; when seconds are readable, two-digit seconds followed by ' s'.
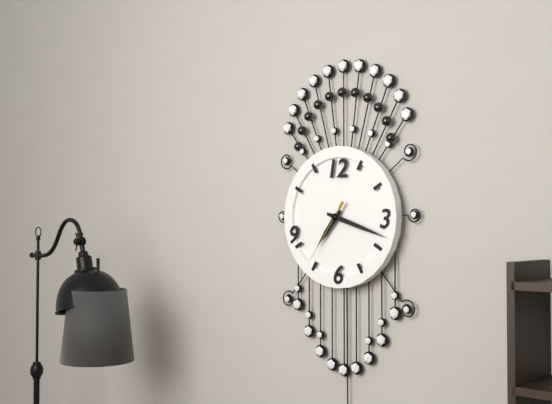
7 h 18 min 36 s
